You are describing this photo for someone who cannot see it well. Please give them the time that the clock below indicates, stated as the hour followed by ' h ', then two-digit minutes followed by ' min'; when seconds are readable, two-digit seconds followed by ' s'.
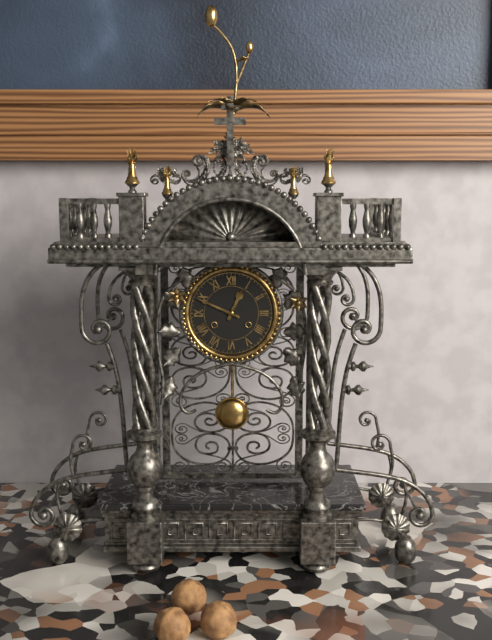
12 h 49 min
